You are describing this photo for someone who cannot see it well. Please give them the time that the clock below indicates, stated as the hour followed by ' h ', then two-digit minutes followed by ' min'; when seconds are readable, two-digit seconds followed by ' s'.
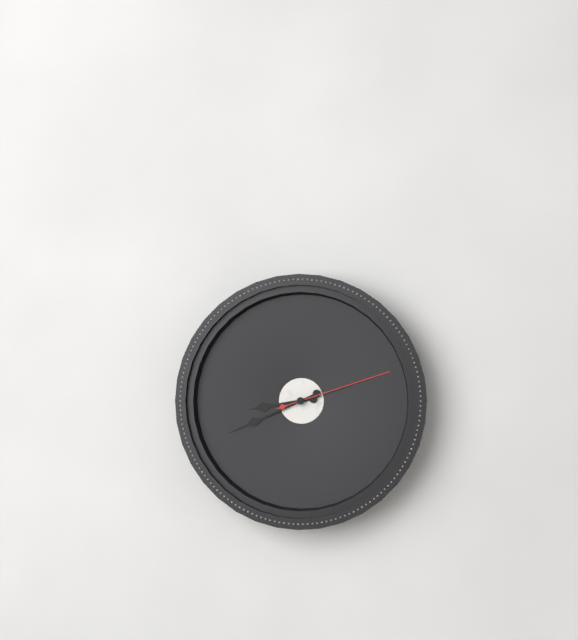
8 h 41 min 12 s
